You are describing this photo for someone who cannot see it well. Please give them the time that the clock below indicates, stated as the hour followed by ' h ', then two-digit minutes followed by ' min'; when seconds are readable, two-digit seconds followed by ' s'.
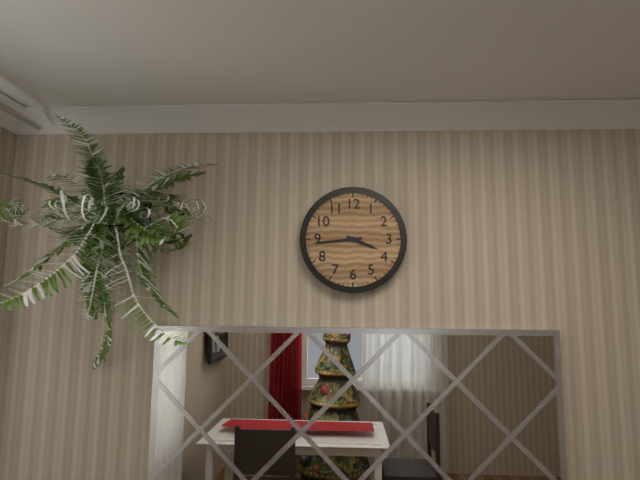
3 h 44 min
